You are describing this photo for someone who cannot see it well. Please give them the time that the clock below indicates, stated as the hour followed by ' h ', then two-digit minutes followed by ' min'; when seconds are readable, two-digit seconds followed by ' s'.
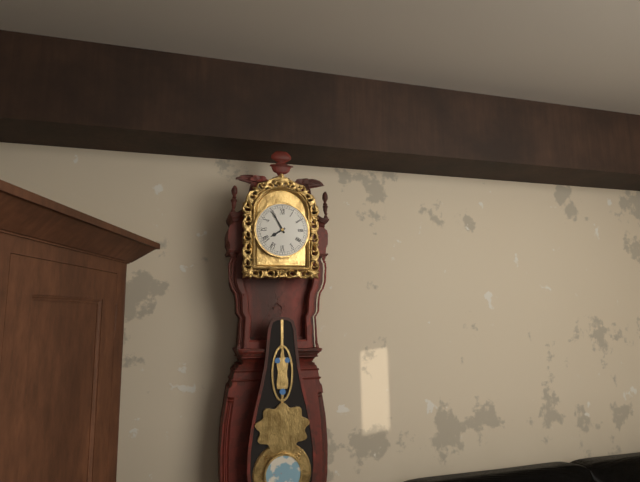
7 h 55 min
